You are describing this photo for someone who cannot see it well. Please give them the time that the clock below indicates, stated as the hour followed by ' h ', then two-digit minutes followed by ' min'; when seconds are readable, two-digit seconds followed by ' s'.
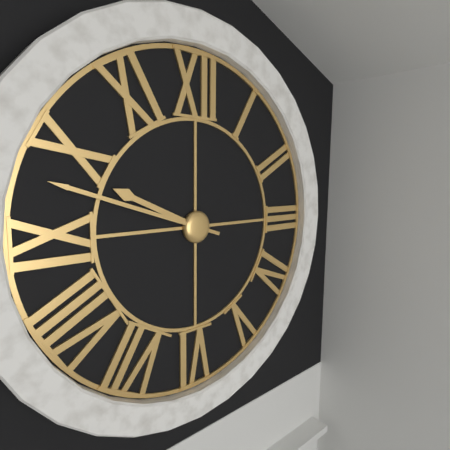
9 h 48 min
